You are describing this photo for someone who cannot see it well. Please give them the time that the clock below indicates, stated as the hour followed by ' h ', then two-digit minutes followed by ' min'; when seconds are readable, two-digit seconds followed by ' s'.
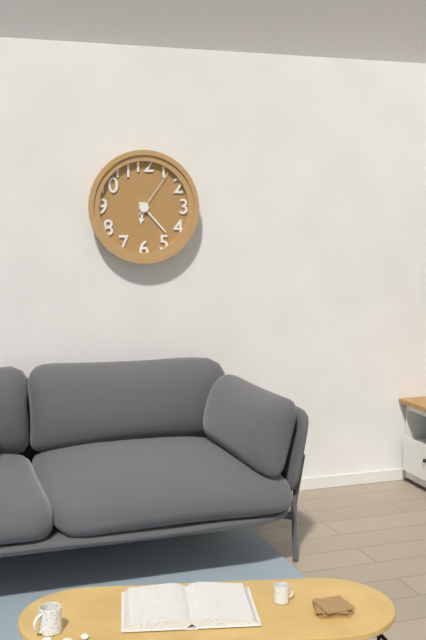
6 h 23 min 06 s
